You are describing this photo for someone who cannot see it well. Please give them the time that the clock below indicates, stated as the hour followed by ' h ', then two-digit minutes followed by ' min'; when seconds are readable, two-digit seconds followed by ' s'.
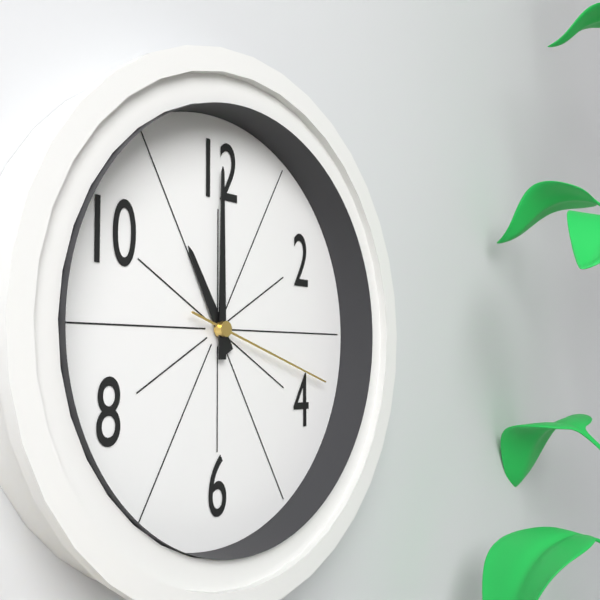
11 h 00 min 18 s
